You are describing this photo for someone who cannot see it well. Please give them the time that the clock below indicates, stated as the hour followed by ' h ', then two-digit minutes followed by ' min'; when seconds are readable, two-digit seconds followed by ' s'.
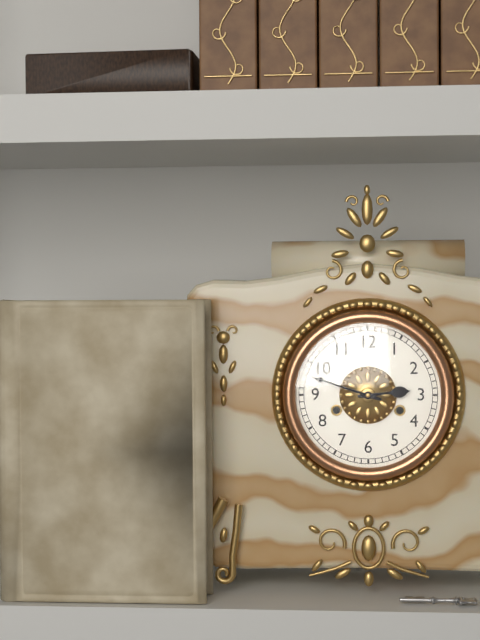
2 h 48 min
